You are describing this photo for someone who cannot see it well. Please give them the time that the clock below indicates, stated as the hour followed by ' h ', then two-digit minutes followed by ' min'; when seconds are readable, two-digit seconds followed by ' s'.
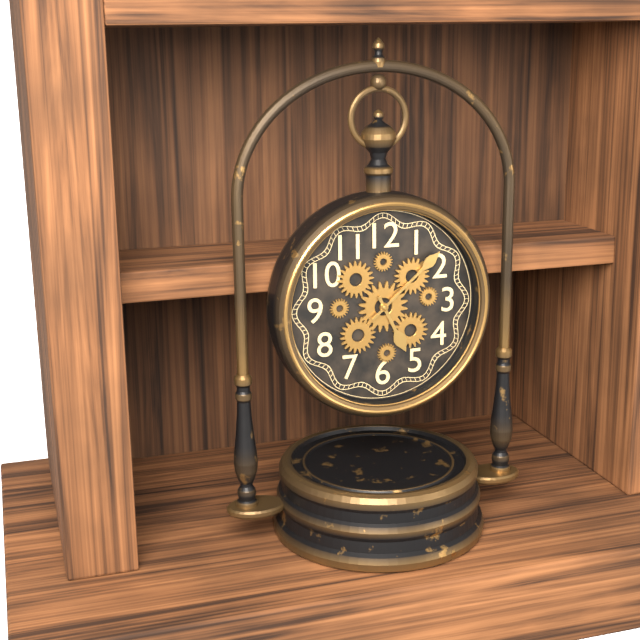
5 h 08 min
